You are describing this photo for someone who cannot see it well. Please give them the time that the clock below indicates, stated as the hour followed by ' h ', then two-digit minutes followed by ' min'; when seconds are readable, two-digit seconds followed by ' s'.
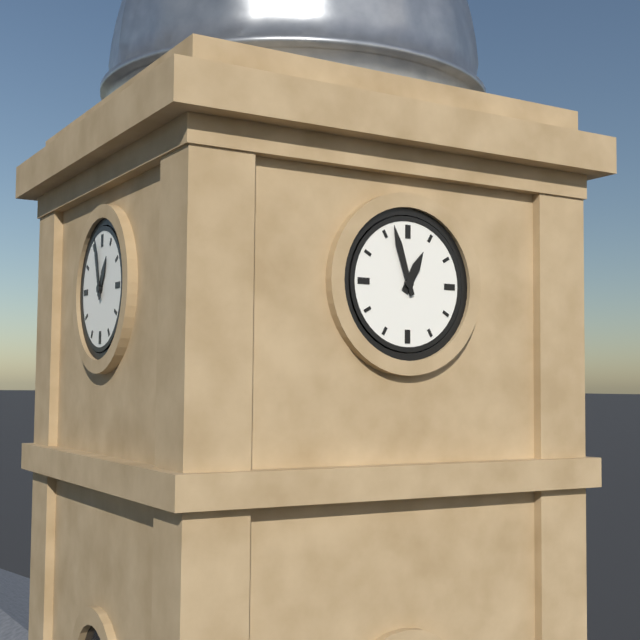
12 h 57 min
